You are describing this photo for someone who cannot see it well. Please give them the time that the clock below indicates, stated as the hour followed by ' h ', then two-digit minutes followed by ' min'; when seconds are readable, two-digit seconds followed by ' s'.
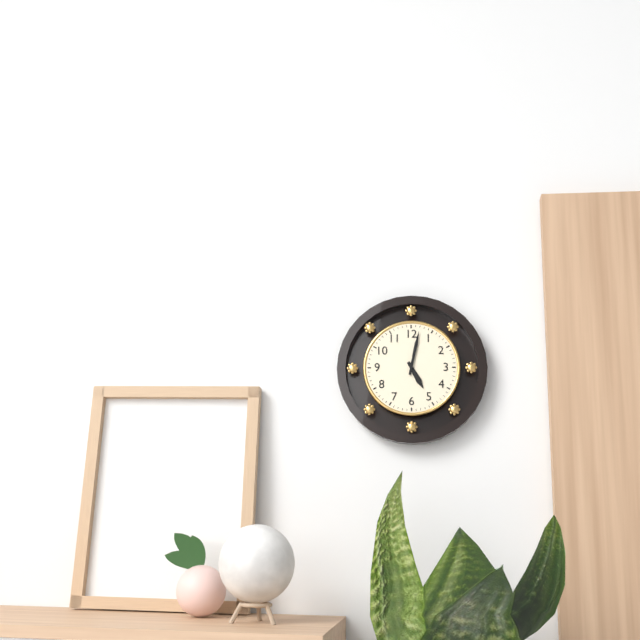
5 h 02 min
